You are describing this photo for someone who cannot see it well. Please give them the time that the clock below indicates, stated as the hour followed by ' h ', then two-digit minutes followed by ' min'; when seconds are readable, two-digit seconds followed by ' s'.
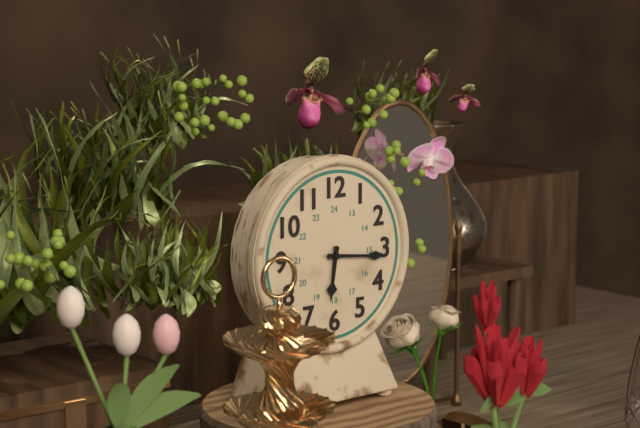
6 h 16 min
